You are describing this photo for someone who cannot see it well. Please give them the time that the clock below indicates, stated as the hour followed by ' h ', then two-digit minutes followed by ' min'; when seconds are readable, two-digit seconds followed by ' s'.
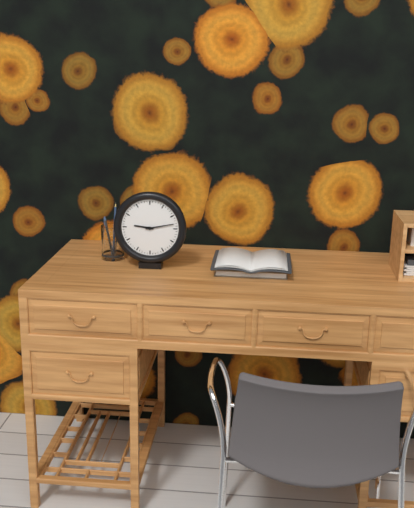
9 h 13 min
